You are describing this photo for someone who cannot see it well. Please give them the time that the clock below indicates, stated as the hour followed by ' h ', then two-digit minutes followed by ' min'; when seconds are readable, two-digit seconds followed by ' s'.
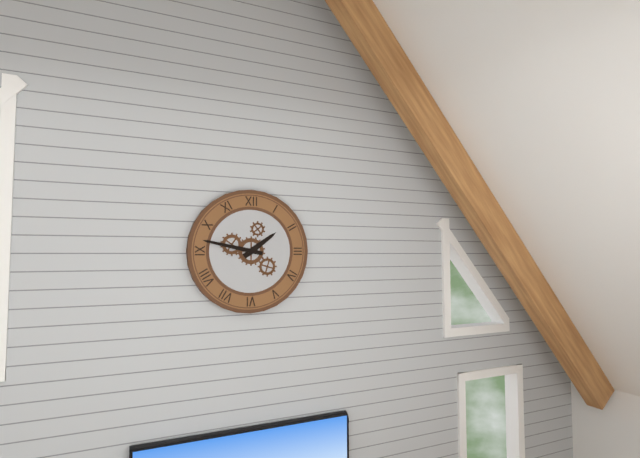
1 h 47 min
